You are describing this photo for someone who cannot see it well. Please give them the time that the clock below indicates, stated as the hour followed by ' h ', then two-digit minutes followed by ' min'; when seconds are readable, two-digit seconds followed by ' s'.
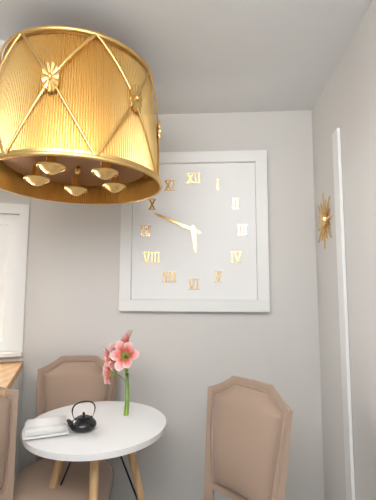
5 h 49 min
